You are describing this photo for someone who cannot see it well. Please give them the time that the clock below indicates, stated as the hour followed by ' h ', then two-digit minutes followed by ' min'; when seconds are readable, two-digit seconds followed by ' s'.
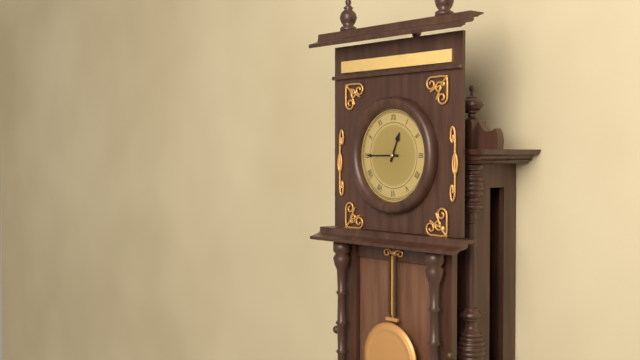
12 h 45 min
